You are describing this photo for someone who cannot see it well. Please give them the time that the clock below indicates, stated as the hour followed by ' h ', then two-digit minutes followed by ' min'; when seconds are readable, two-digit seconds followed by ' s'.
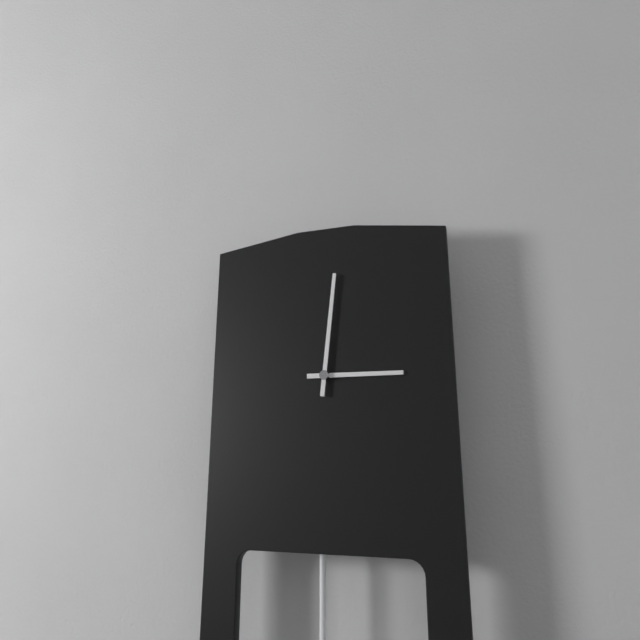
3 h 01 min
